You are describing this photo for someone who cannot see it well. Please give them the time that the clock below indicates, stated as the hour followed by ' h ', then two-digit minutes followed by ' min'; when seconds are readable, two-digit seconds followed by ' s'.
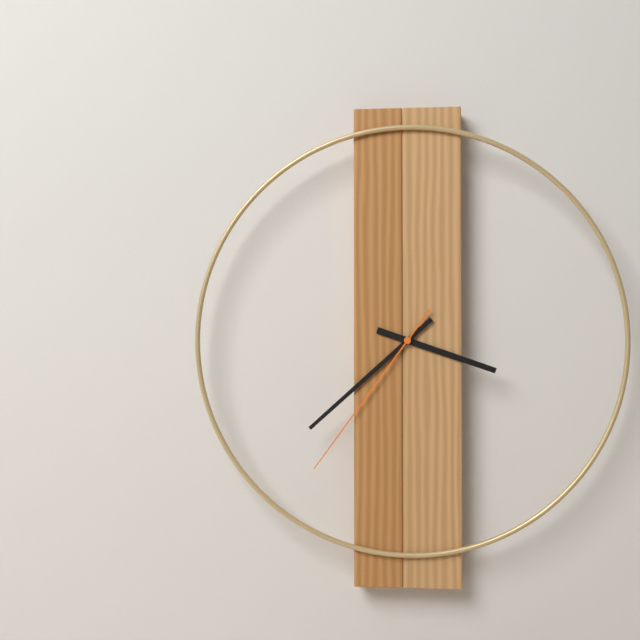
3 h 38 min 36 s
